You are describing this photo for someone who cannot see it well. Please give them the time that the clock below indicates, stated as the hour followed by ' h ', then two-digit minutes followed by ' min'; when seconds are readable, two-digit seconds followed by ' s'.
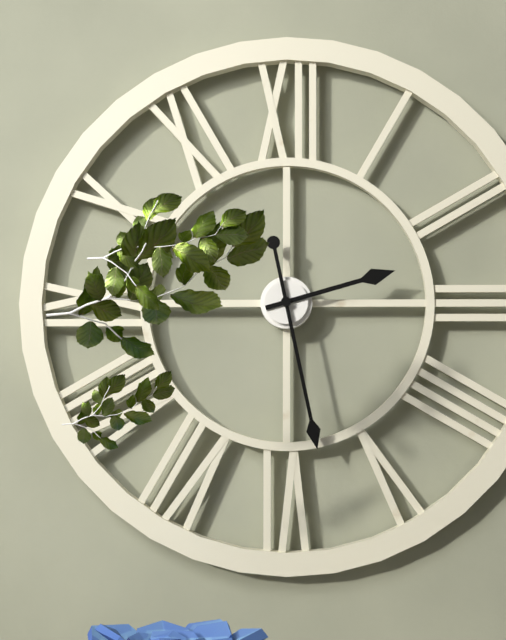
2 h 28 min
